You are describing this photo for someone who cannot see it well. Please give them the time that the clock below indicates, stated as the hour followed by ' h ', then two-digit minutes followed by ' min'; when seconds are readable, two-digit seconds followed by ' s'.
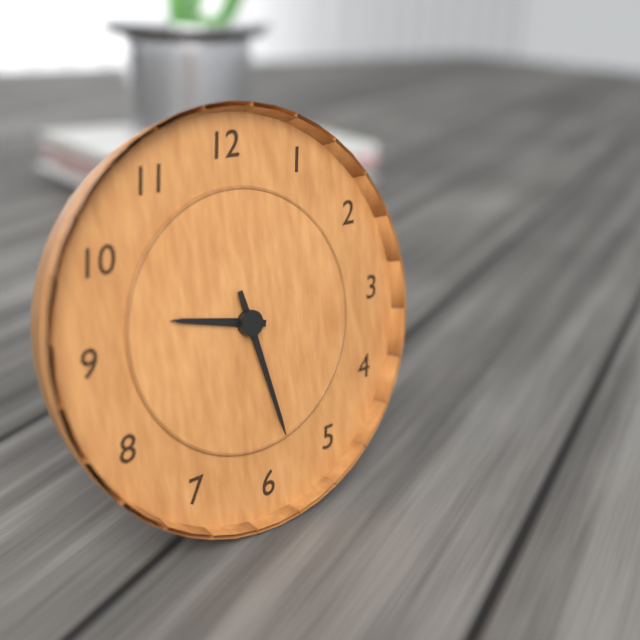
9 h 28 min
